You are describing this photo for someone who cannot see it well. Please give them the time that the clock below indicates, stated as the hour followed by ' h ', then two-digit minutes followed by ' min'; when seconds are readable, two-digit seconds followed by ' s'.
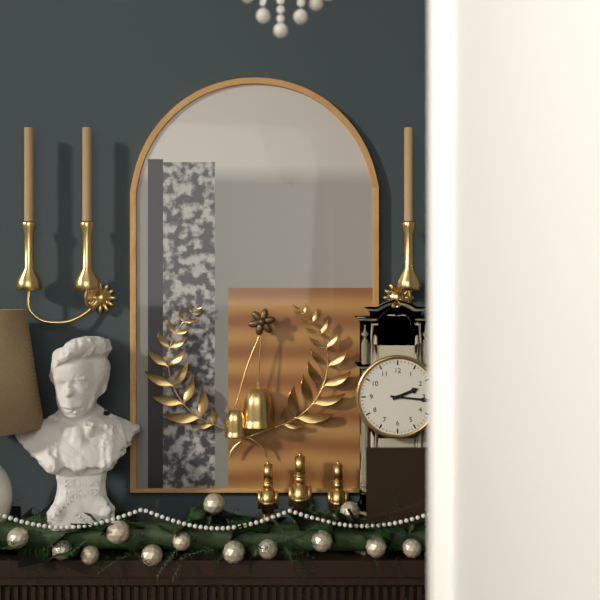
2 h 16 min
